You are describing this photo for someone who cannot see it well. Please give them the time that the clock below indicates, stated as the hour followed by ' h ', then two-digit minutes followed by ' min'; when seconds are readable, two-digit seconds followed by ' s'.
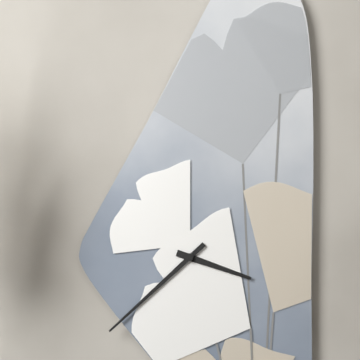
3 h 38 min
